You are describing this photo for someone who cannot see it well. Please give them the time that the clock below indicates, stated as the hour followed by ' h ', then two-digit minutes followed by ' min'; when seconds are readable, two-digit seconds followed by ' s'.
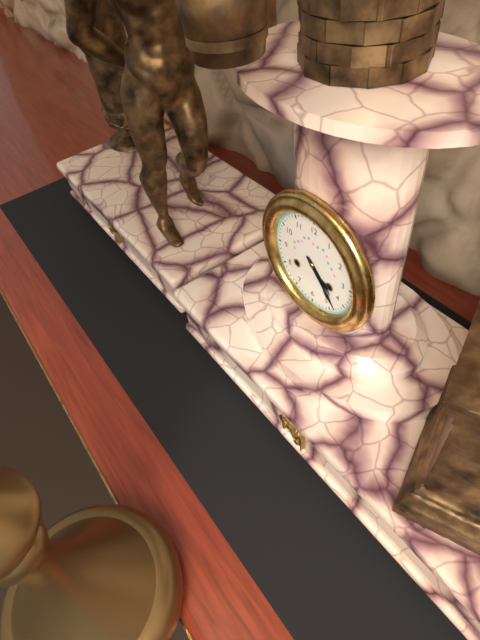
4 h 23 min
